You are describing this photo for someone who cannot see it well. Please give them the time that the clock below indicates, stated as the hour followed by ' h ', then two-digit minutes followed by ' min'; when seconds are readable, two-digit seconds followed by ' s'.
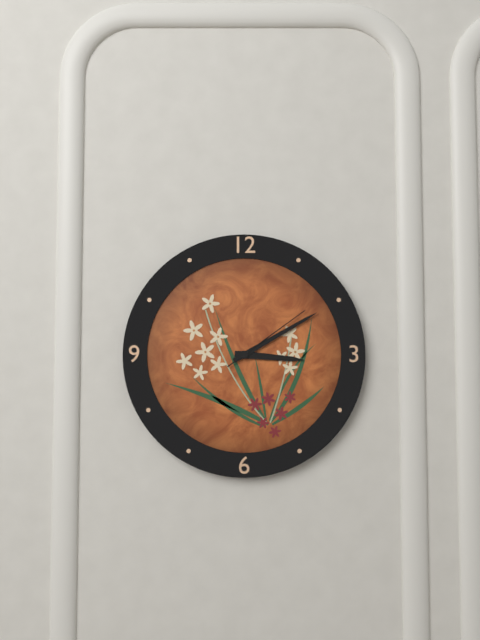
3 h 10 min 09 s
